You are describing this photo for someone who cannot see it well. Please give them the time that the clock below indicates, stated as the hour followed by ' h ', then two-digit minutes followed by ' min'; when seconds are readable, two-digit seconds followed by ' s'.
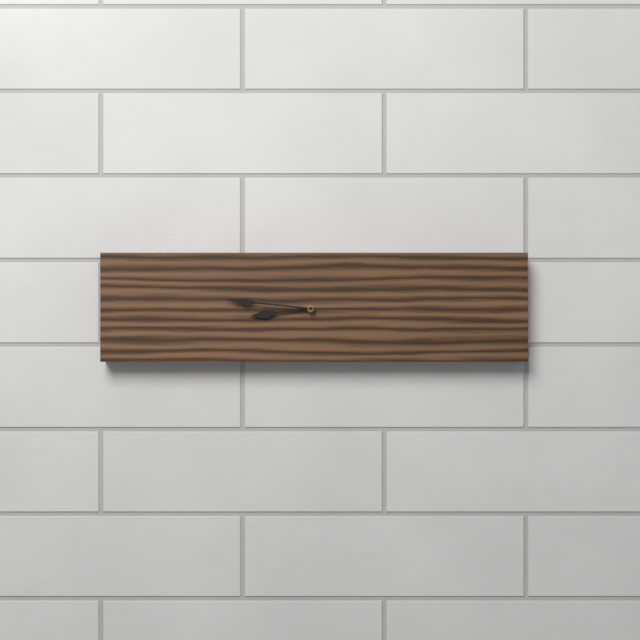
8 h 46 min 15 s
